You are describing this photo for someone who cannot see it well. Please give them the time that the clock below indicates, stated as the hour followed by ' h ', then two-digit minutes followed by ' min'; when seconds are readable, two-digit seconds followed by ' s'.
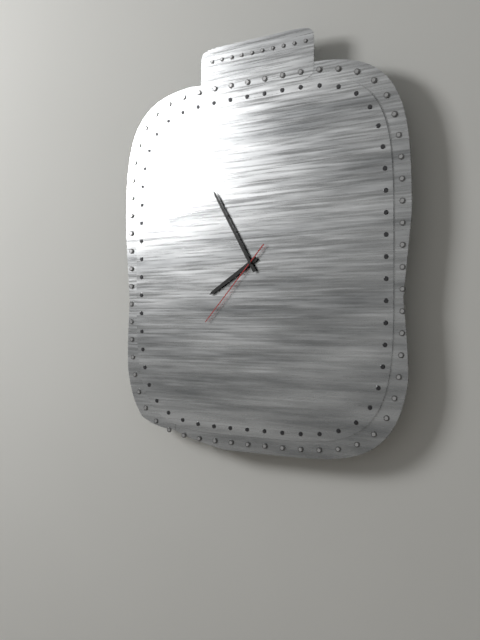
7 h 55 min 37 s
